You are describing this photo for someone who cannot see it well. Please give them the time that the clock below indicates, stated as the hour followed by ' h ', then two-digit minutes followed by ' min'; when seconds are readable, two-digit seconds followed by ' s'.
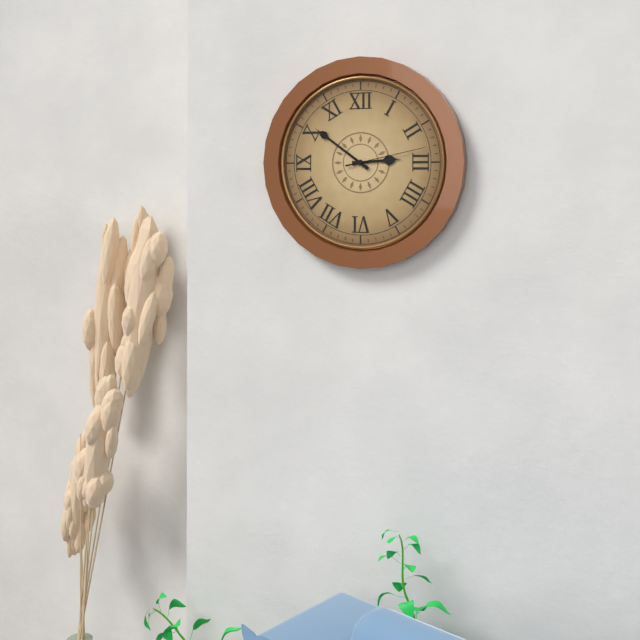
2 h 51 min 13 s
